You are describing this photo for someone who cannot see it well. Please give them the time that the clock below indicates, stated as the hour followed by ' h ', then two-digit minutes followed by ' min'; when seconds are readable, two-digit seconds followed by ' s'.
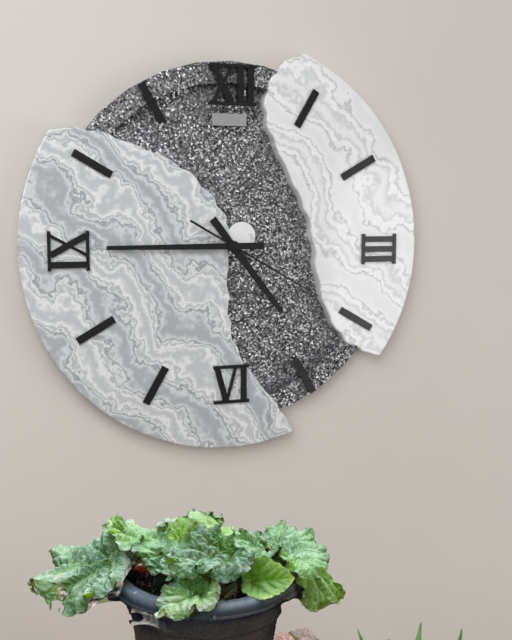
4 h 45 min 20 s
